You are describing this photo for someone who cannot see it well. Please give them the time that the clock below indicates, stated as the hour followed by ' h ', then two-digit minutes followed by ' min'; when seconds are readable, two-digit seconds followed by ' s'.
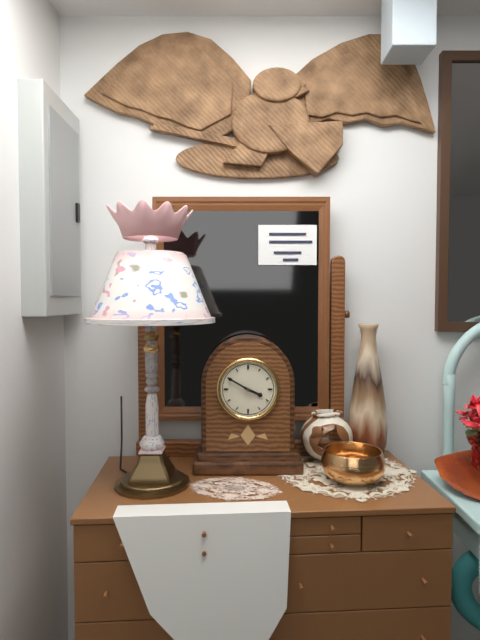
3 h 50 min
